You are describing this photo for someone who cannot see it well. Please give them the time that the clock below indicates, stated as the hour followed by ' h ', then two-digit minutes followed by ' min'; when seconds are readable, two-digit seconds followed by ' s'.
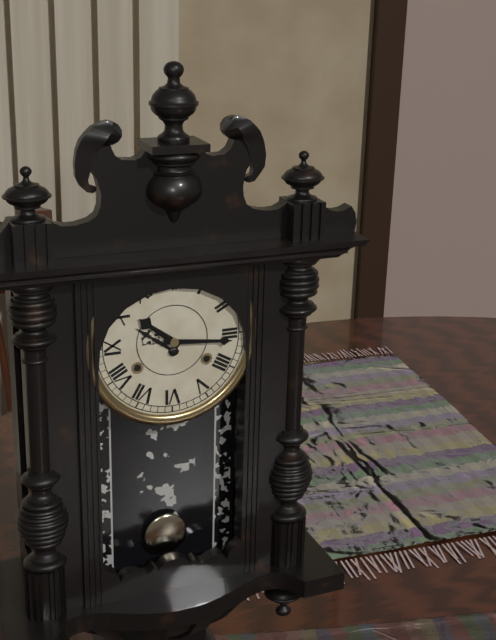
10 h 16 min
